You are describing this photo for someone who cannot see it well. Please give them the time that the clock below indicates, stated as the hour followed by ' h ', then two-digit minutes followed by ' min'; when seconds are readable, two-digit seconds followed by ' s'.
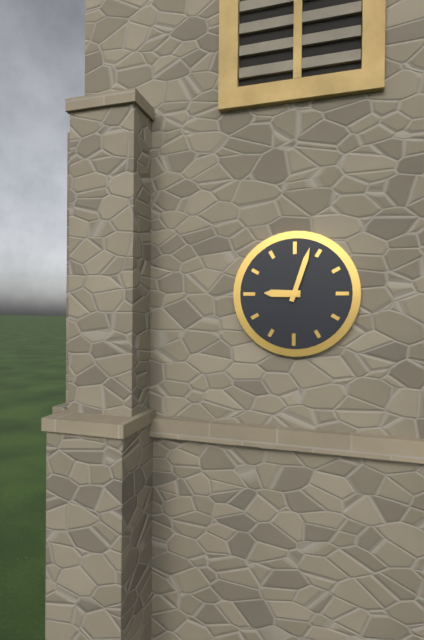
9 h 03 min
